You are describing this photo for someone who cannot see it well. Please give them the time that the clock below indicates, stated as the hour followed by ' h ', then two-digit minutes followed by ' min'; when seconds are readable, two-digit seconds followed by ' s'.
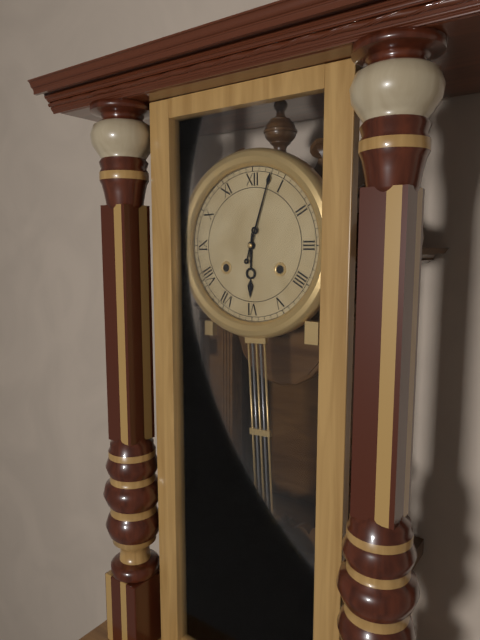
6 h 03 min
